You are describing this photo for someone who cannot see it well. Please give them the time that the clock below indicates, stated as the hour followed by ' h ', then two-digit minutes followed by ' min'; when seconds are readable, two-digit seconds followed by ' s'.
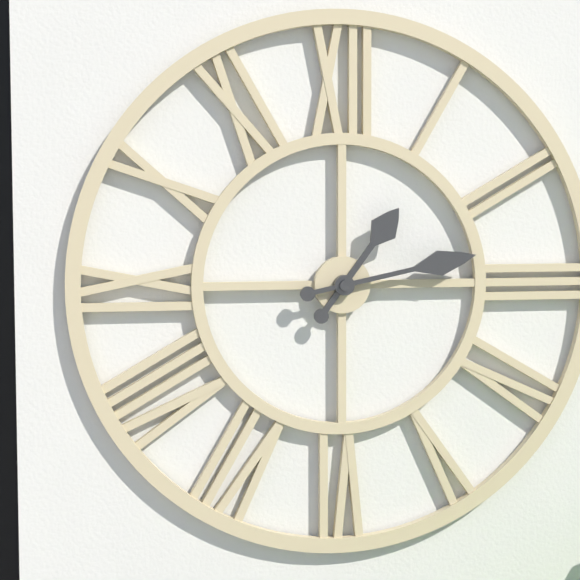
1 h 13 min
